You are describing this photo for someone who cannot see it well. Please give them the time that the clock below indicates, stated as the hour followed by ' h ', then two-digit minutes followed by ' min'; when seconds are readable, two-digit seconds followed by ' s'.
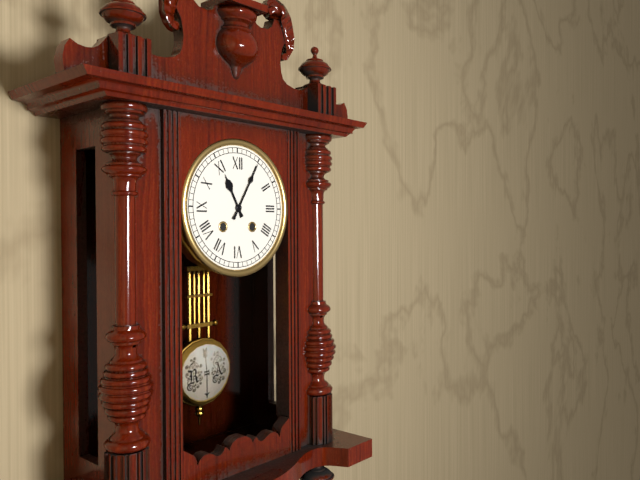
11 h 05 min
